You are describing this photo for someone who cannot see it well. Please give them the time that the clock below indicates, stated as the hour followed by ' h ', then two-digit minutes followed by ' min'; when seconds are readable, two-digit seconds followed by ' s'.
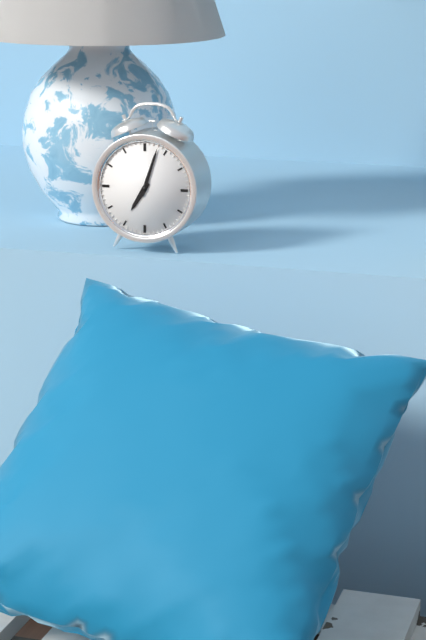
7 h 03 min
